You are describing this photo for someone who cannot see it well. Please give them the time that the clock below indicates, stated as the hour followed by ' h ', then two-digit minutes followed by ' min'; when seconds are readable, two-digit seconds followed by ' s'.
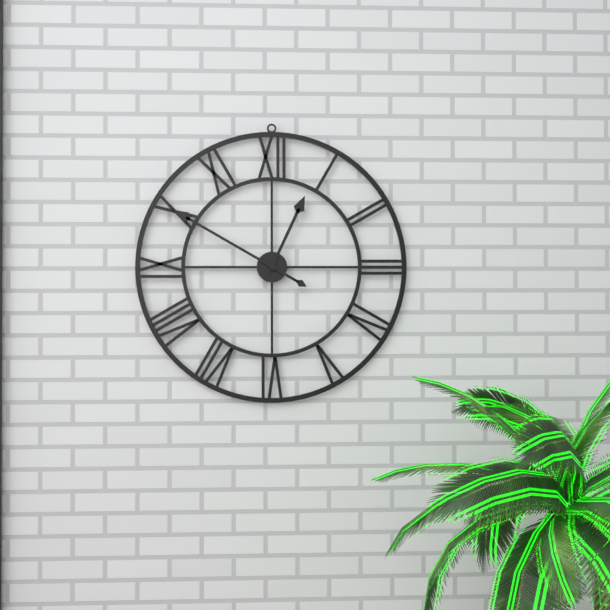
12 h 50 min
